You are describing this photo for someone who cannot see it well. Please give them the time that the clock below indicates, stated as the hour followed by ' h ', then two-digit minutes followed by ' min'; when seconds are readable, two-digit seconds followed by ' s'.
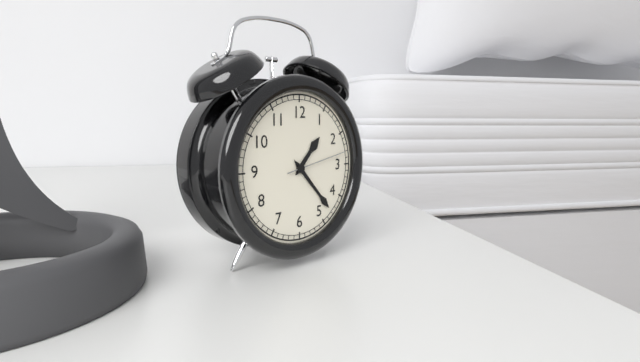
1 h 23 min 13 s
